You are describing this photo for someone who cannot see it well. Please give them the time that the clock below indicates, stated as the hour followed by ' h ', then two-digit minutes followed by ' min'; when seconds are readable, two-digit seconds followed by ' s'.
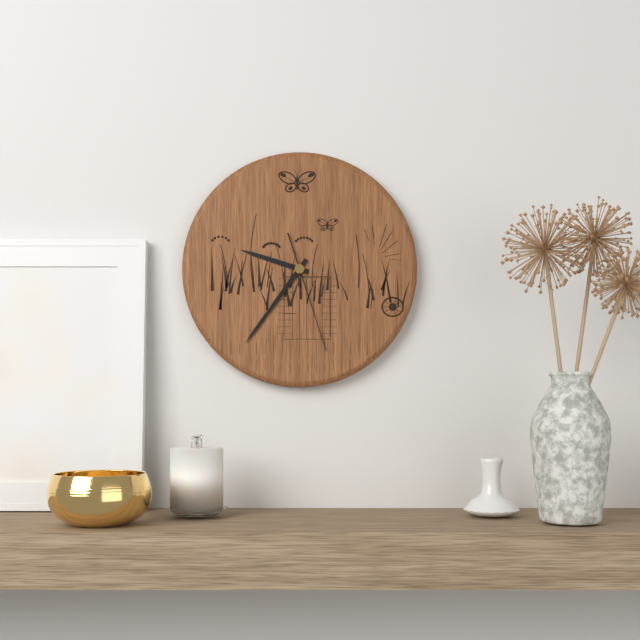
9 h 36 min 27 s
